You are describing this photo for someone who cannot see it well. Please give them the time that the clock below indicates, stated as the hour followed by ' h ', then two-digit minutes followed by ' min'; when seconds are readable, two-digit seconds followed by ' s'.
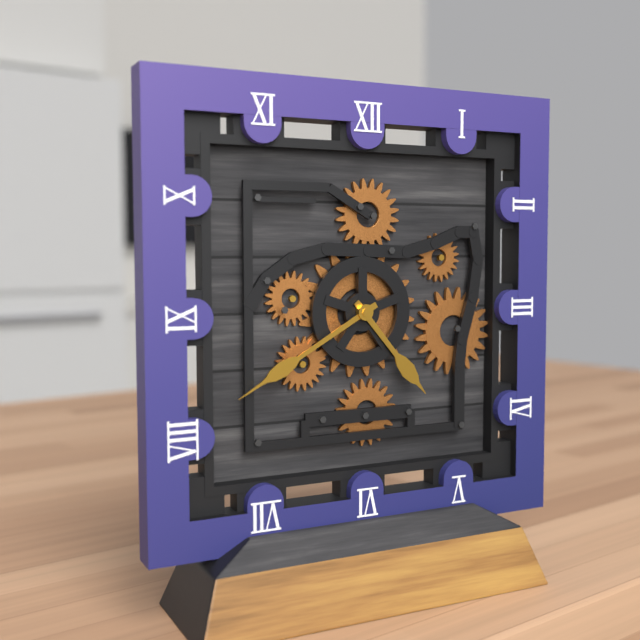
4 h 40 min
